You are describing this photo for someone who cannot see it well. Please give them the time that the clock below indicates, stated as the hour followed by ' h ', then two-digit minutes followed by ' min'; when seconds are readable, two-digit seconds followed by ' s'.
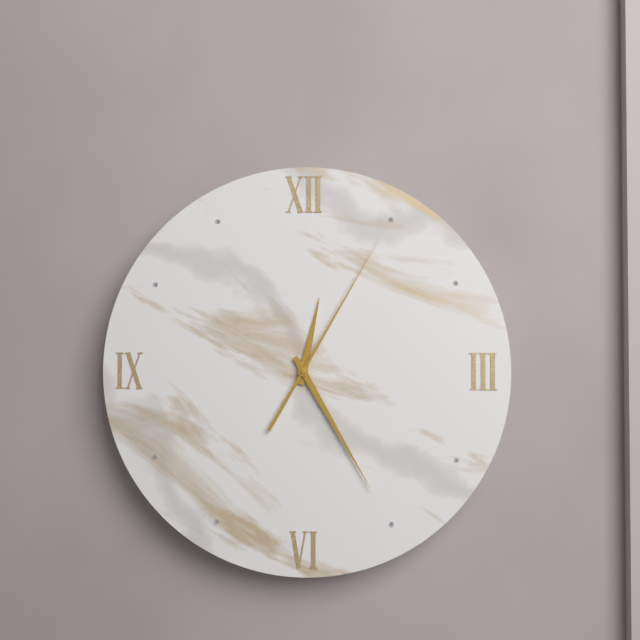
12 h 25 min 05 s
